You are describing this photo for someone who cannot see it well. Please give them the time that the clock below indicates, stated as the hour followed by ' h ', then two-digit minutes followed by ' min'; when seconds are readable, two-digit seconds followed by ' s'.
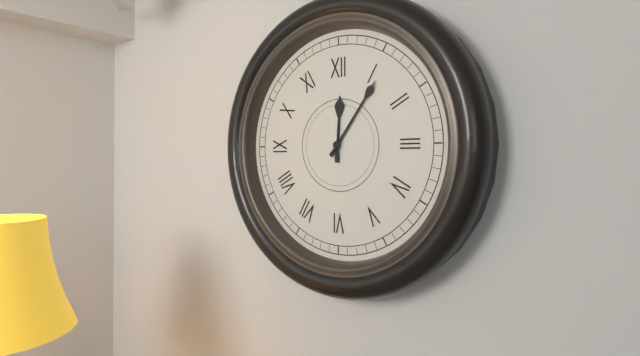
12 h 06 min
